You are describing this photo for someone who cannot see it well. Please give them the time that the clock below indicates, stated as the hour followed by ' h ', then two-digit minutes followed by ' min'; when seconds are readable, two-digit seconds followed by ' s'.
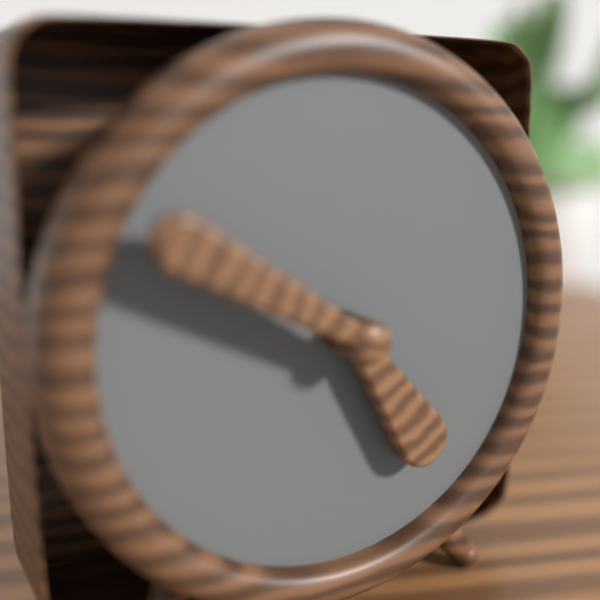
4 h 50 min
